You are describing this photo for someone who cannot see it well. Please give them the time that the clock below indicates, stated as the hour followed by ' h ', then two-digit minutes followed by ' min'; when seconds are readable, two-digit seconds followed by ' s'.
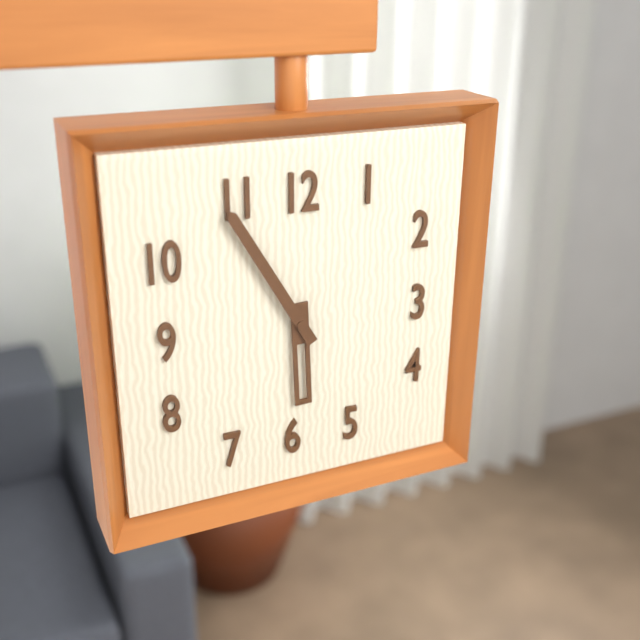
5 h 55 min
